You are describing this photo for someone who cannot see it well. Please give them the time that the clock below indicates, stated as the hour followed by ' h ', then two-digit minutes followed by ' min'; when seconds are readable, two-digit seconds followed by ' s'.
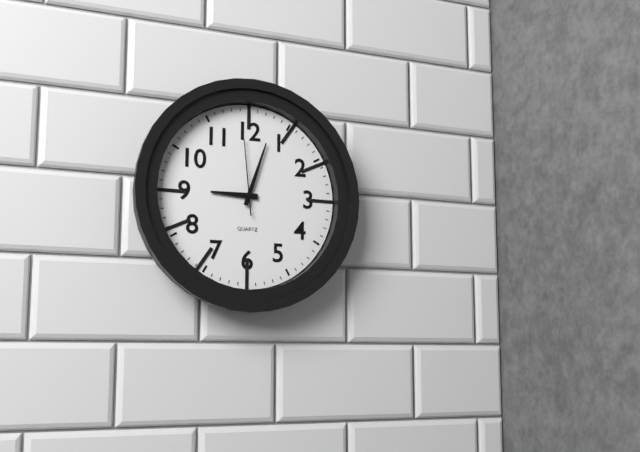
9 h 03 min 59 s
